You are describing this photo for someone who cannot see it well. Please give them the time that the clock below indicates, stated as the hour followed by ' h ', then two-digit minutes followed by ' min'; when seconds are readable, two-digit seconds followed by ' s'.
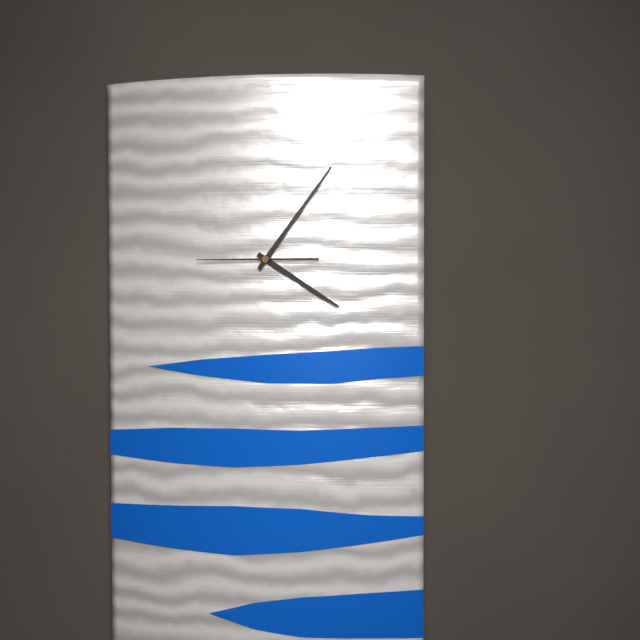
4 h 06 min 45 s
